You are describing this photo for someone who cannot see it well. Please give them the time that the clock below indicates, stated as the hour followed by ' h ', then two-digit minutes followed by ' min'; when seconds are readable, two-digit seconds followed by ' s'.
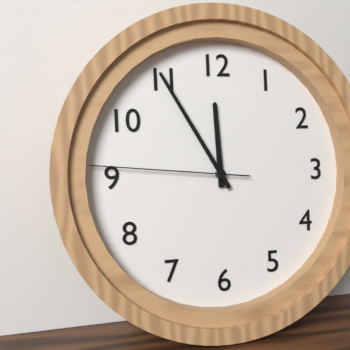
11 h 55 min 46 s
